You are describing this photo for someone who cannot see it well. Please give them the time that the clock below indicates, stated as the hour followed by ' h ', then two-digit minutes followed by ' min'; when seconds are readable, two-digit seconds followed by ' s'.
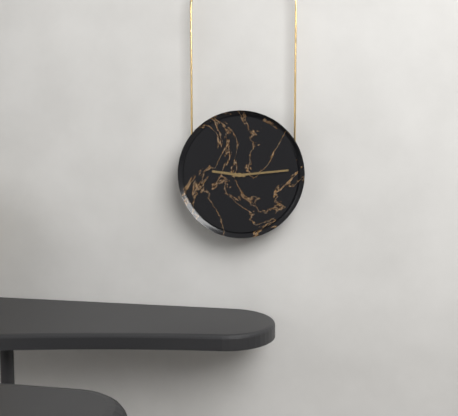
9 h 14 min
